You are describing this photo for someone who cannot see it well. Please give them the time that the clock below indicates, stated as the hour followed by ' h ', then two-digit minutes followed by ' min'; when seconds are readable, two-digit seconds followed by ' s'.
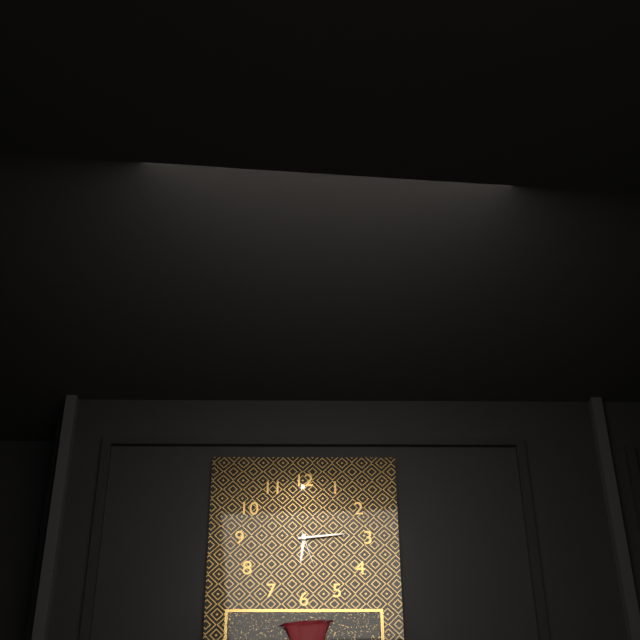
6 h 14 min
